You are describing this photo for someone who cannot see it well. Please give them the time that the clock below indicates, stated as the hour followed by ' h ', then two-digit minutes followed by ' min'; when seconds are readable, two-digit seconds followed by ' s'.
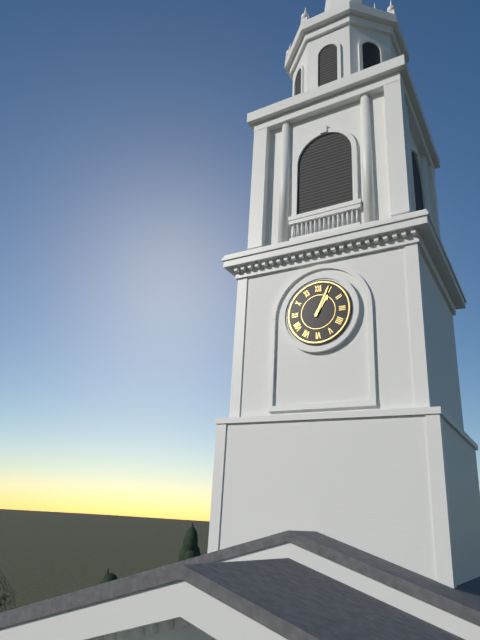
1 h 04 min
